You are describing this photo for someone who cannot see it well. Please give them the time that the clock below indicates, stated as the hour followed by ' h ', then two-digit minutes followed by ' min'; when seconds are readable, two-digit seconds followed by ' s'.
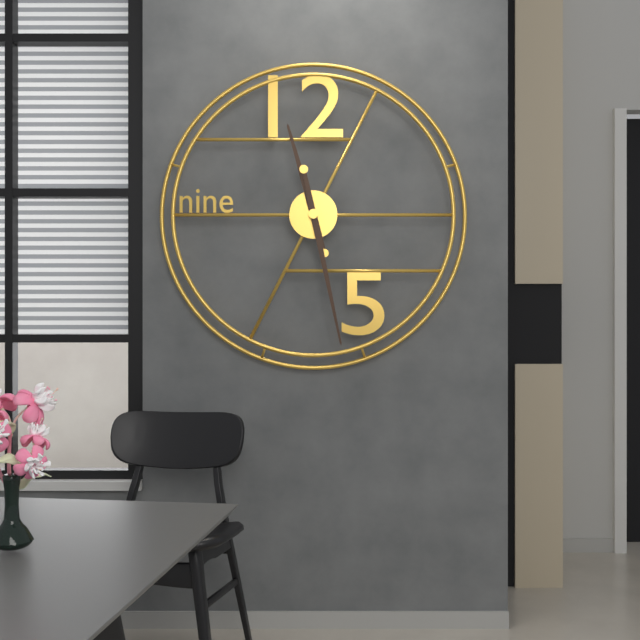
11 h 28 min
